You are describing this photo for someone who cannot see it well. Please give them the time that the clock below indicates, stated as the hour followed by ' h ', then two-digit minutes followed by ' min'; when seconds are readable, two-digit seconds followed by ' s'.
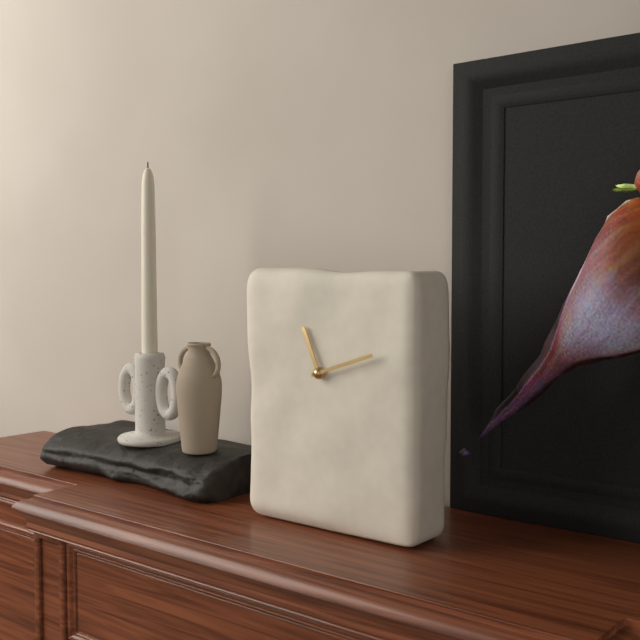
11 h 12 min
